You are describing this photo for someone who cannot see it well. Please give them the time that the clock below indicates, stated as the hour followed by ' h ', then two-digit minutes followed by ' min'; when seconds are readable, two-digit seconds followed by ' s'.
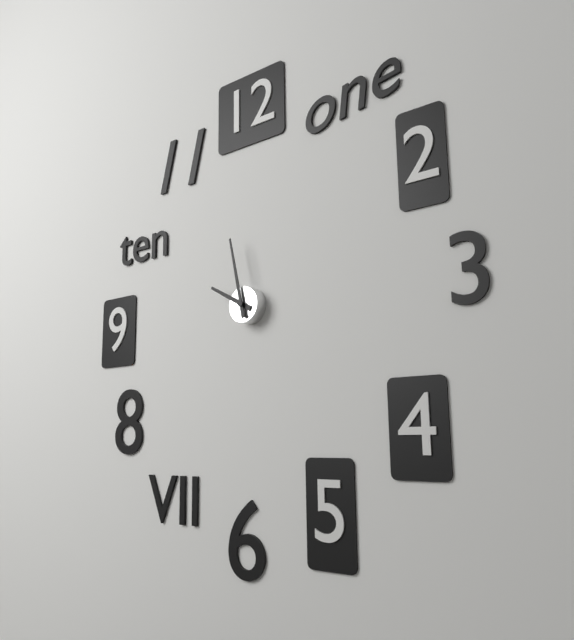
9 h 58 min
